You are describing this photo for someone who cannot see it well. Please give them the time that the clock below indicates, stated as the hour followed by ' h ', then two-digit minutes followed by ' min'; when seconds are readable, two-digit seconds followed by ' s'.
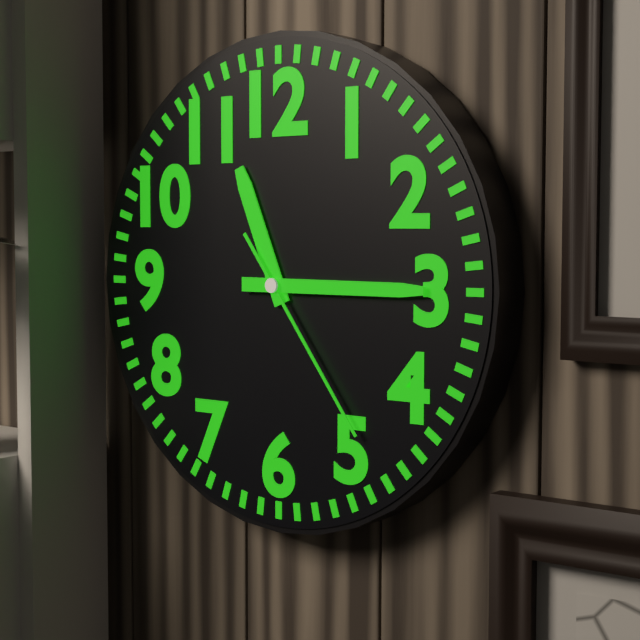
11 h 15 min 24 s
